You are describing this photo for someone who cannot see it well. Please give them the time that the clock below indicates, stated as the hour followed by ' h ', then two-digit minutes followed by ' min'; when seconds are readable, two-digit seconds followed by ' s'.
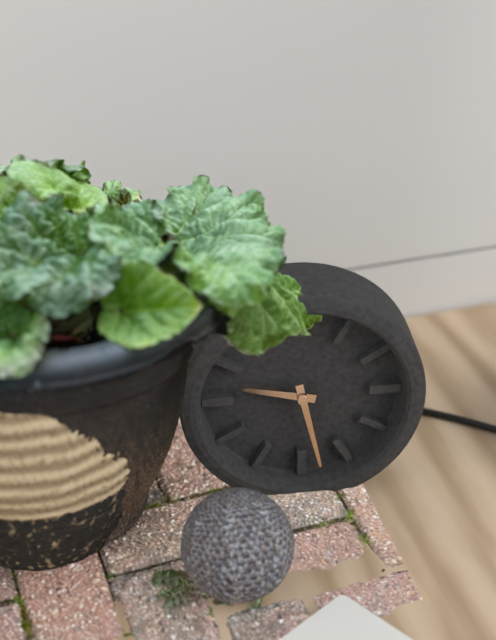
9 h 28 min
